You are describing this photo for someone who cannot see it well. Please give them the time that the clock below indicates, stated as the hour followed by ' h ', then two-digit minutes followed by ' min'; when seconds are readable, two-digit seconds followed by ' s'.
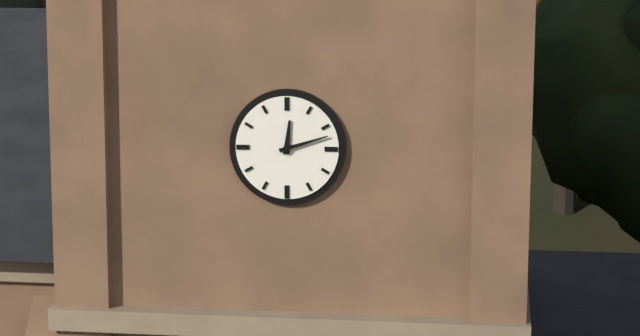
12 h 12 min
